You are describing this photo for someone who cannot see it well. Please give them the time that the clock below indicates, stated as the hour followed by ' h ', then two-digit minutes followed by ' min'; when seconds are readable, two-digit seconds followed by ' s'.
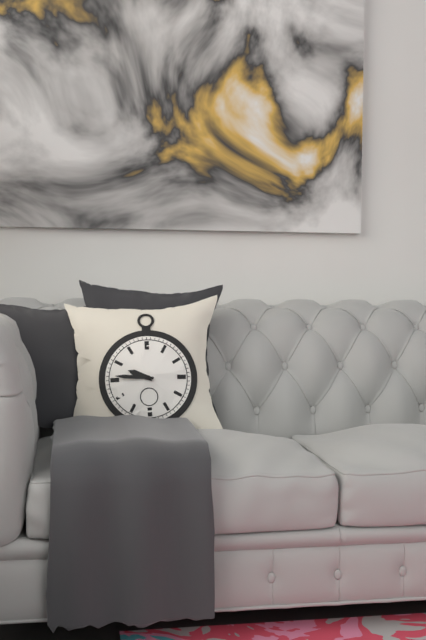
9 h 46 min
